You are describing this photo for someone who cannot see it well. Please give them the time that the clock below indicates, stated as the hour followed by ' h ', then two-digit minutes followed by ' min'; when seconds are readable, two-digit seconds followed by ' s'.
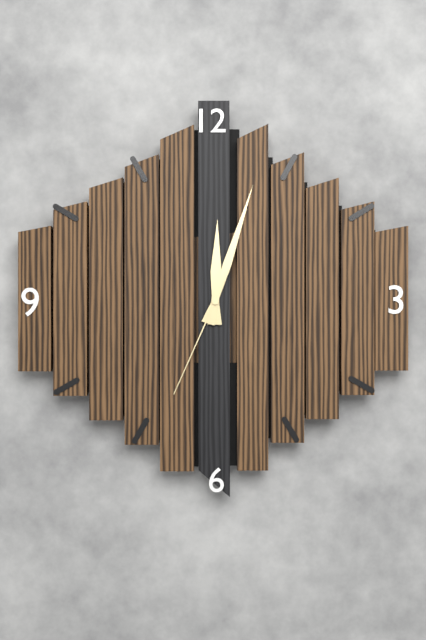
12 h 03 min 34 s
